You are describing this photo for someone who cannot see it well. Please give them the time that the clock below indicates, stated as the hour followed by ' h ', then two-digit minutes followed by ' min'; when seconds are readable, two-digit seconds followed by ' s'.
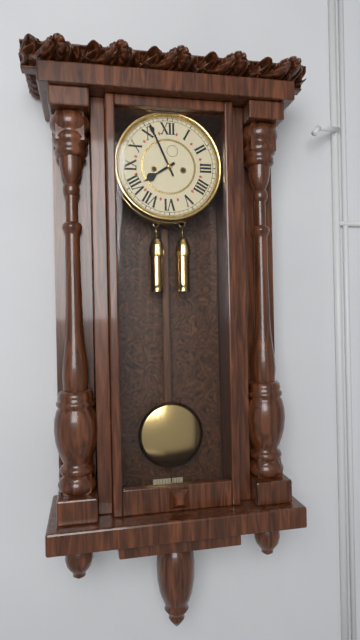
7 h 56 min
